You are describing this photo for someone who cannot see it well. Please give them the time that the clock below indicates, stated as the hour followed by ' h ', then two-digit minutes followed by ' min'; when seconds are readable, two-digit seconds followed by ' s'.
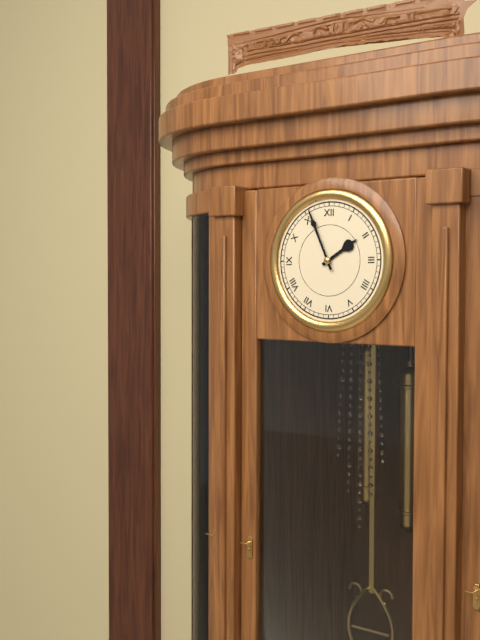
1 h 56 min
